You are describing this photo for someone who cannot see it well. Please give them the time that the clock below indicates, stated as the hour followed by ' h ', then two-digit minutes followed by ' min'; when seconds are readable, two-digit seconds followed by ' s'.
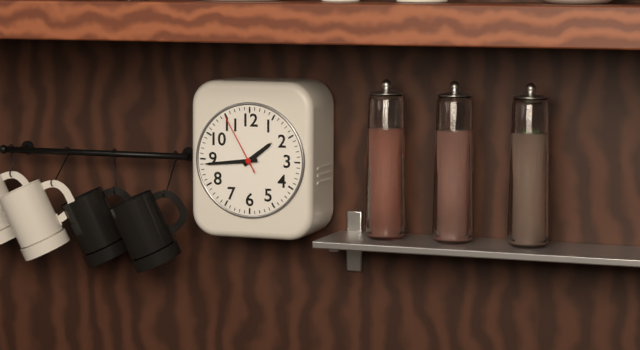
1 h 44 min 55 s
